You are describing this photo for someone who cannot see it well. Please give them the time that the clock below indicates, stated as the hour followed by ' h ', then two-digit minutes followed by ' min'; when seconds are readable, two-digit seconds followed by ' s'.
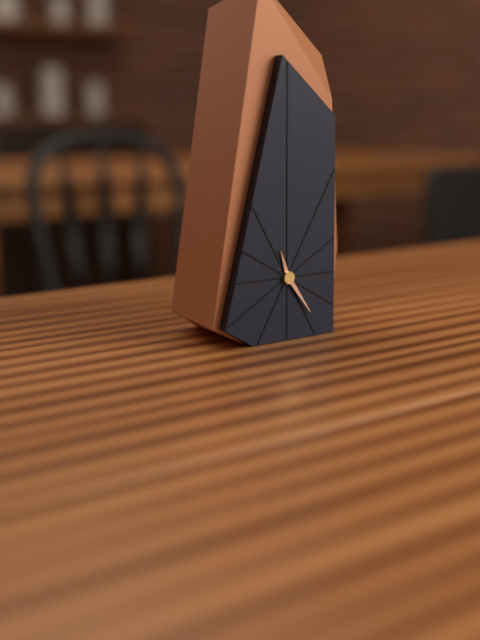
11 h 24 min
